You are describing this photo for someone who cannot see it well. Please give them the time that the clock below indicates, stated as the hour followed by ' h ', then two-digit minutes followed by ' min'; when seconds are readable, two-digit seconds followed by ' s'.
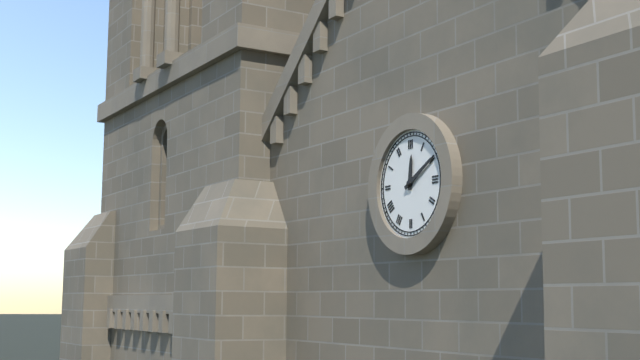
12 h 10 min
